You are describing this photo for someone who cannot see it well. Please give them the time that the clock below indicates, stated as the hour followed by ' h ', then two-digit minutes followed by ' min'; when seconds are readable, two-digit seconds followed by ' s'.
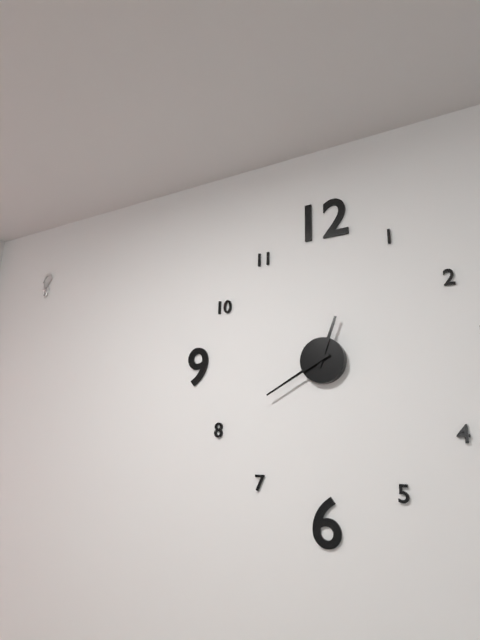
12 h 40 min
